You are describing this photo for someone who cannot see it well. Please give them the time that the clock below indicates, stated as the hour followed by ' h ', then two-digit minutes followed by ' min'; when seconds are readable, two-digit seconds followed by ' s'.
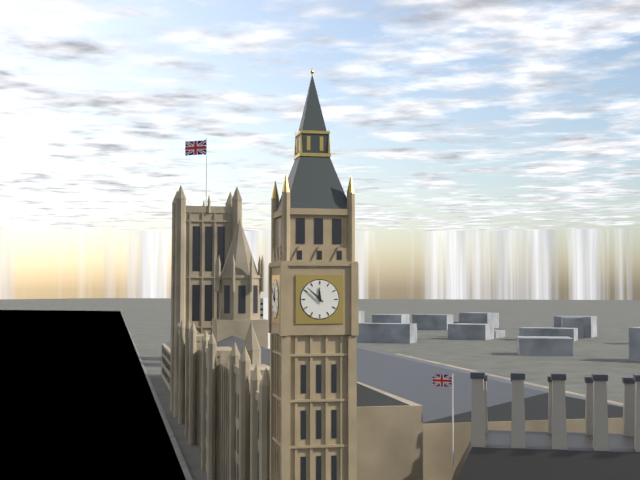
11 h 52 min
